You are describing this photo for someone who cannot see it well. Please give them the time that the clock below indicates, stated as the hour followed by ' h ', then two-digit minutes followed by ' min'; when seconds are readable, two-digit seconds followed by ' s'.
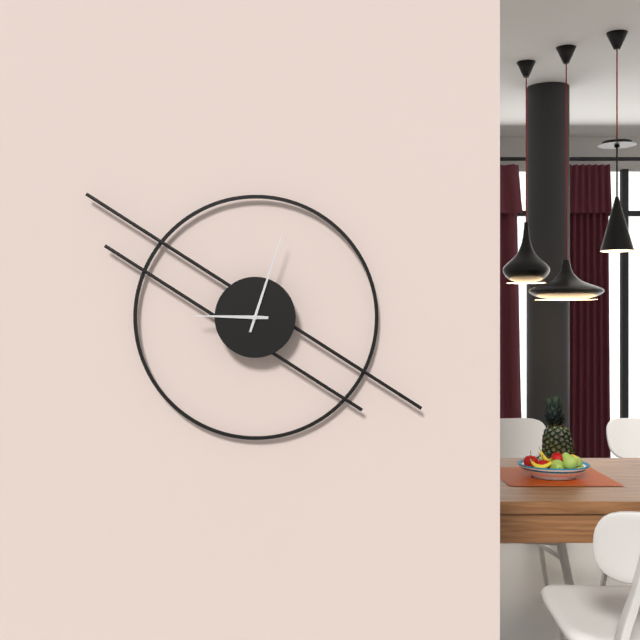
9 h 03 min
